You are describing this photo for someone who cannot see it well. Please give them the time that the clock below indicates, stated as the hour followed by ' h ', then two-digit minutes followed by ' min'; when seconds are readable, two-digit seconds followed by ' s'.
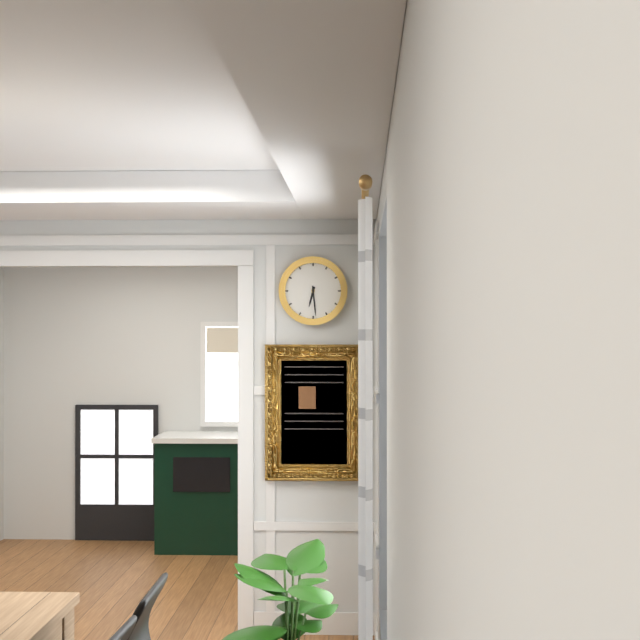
6 h 29 min
